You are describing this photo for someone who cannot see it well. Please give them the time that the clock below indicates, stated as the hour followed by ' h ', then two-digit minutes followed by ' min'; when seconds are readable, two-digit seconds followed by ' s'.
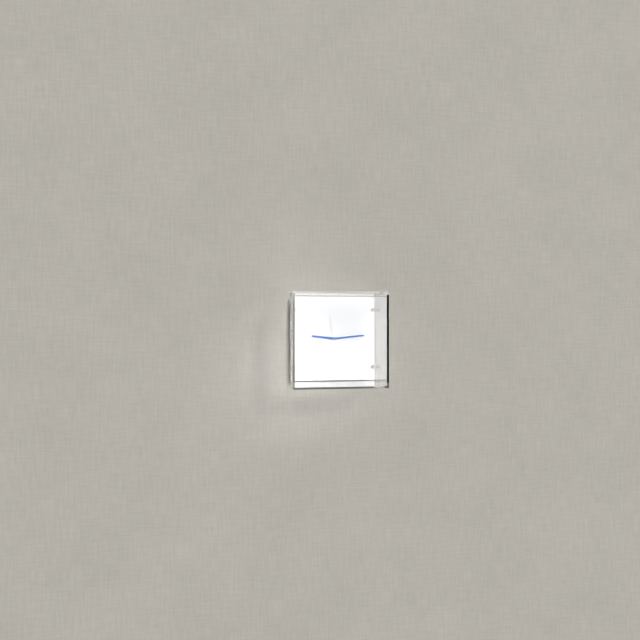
9 h 14 min
